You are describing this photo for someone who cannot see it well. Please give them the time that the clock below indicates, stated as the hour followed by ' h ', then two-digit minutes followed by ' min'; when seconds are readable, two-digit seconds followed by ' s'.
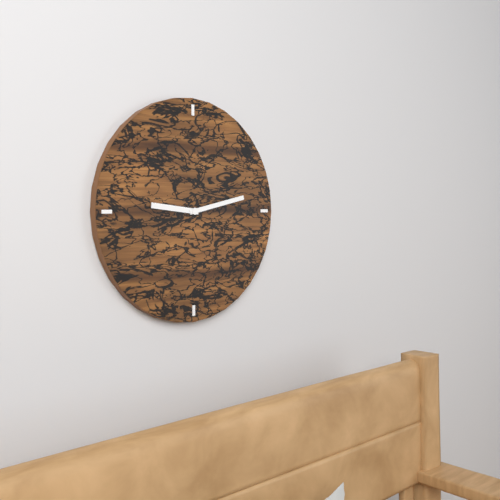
9 h 13 min
